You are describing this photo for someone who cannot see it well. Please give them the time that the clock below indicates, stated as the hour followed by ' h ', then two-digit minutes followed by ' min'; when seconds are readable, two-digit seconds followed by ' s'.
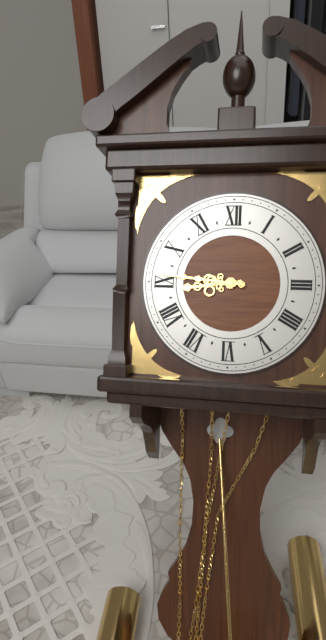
8 h 46 min
